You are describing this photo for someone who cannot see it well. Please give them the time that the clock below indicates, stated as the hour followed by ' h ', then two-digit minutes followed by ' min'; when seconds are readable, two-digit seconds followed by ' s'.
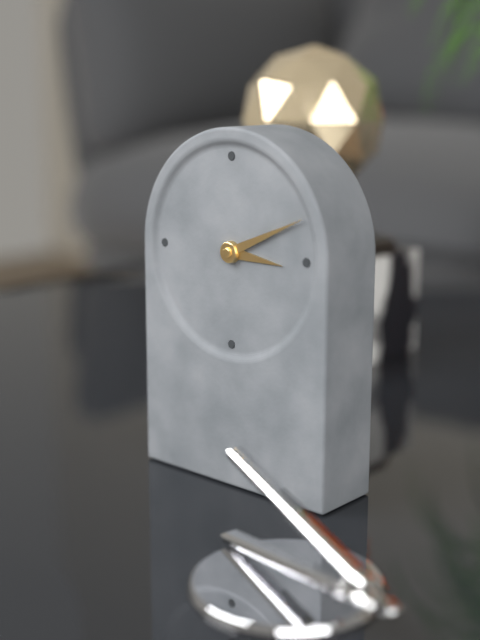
3 h 11 min
